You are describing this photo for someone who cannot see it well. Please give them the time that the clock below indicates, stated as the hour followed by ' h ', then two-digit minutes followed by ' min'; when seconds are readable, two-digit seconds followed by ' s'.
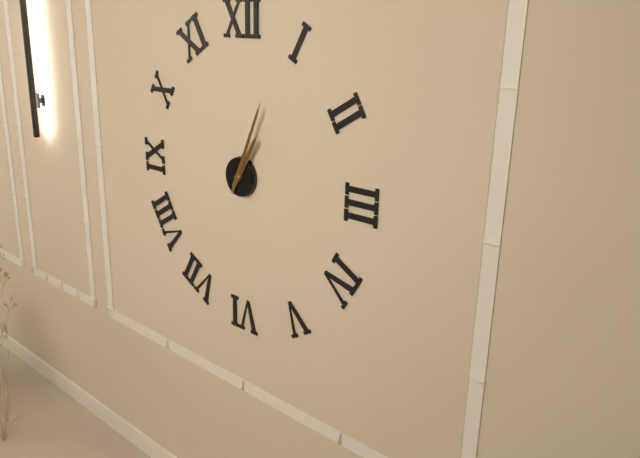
1 h 04 min
